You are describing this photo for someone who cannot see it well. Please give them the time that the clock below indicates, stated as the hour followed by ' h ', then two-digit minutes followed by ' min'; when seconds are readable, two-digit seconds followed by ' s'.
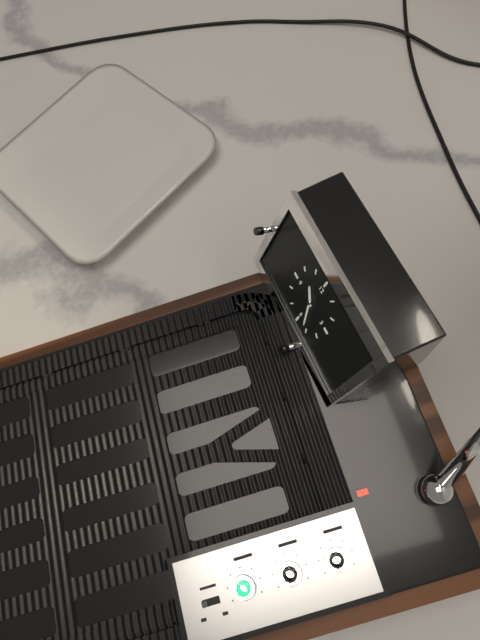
10 h 26 min
